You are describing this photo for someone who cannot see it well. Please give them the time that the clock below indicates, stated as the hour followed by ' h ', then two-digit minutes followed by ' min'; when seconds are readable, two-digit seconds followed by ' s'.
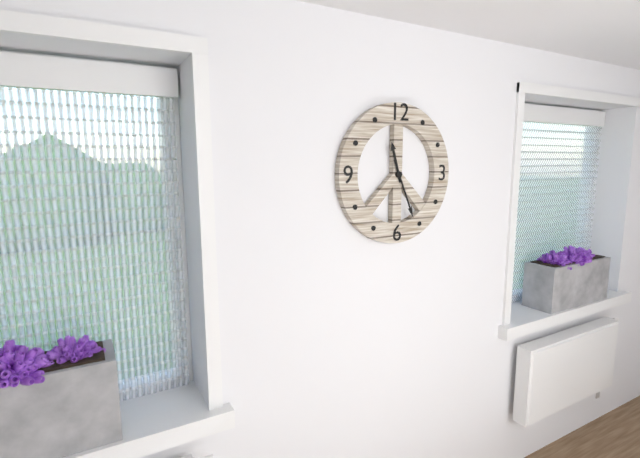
11 h 26 min
